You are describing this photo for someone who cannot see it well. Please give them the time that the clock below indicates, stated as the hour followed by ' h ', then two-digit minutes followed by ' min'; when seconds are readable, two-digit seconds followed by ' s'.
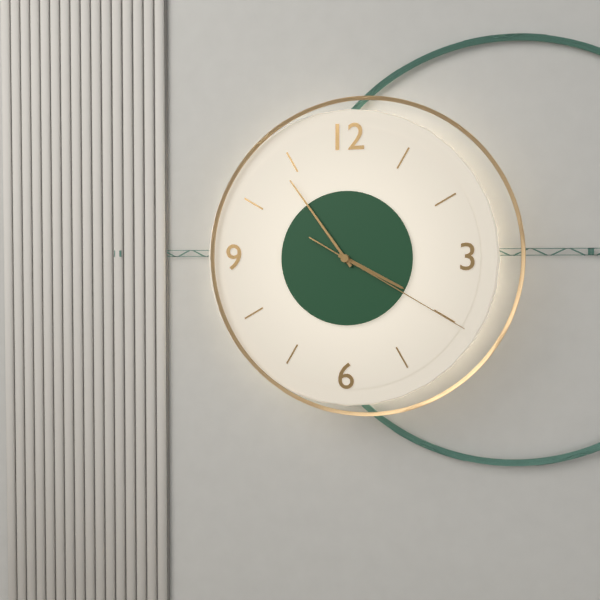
3 h 54 min 20 s
